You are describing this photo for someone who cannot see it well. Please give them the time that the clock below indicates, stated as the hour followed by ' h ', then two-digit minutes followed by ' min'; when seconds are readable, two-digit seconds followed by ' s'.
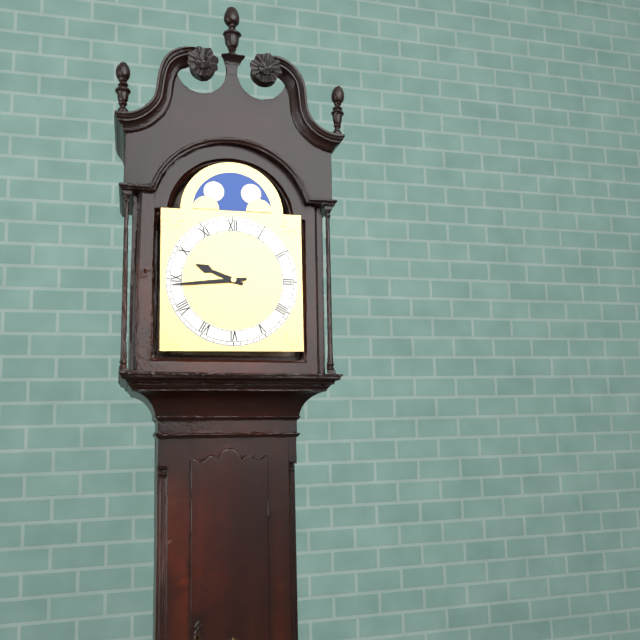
9 h 44 min
